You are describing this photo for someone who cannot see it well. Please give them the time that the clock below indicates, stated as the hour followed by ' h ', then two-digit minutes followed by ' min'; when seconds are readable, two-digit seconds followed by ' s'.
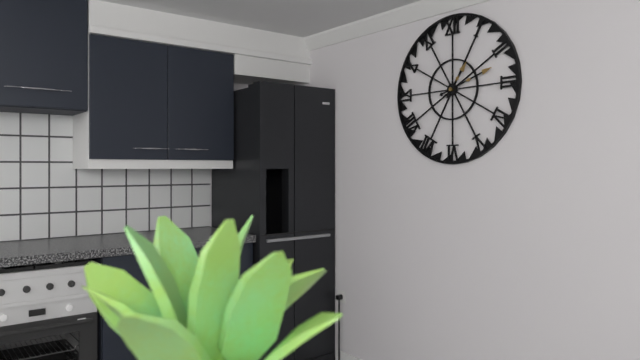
1 h 12 min
